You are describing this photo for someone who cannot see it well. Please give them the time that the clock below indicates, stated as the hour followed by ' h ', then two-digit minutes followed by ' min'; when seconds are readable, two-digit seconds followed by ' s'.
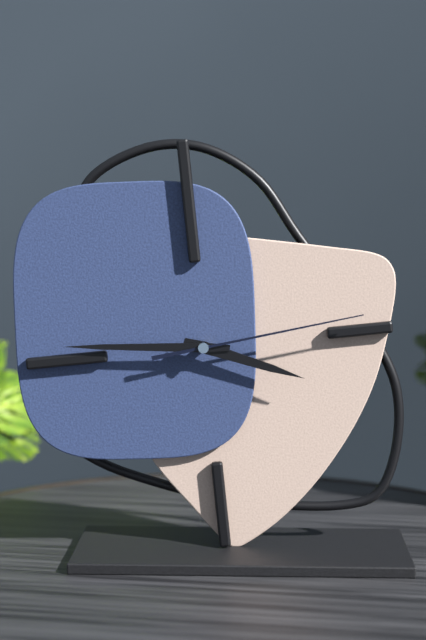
3 h 46 min 14 s
